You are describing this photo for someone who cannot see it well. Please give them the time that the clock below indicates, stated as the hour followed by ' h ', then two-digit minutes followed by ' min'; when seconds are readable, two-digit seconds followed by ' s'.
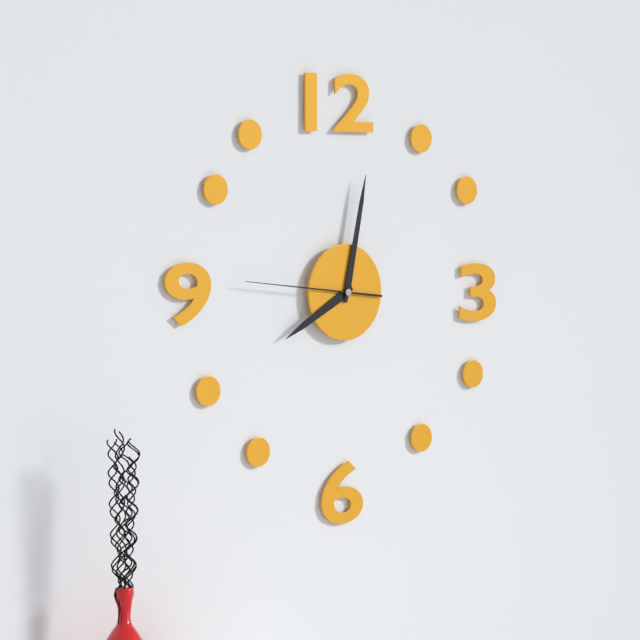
8 h 02 min 46 s
